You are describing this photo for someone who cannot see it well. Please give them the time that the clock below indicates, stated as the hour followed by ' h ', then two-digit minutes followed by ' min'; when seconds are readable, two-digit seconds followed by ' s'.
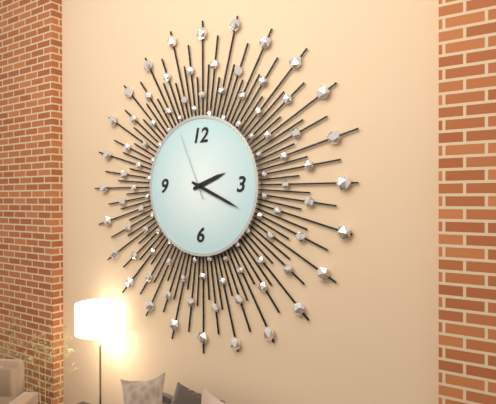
2 h 19 min 56 s
